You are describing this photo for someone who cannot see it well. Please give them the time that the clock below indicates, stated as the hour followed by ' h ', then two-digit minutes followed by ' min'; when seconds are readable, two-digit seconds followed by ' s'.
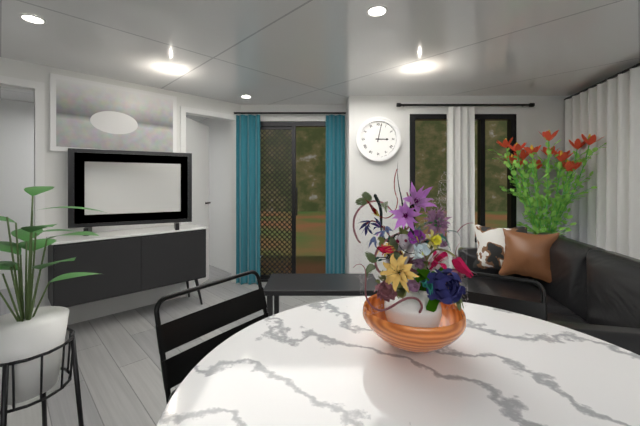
3 h 02 min
